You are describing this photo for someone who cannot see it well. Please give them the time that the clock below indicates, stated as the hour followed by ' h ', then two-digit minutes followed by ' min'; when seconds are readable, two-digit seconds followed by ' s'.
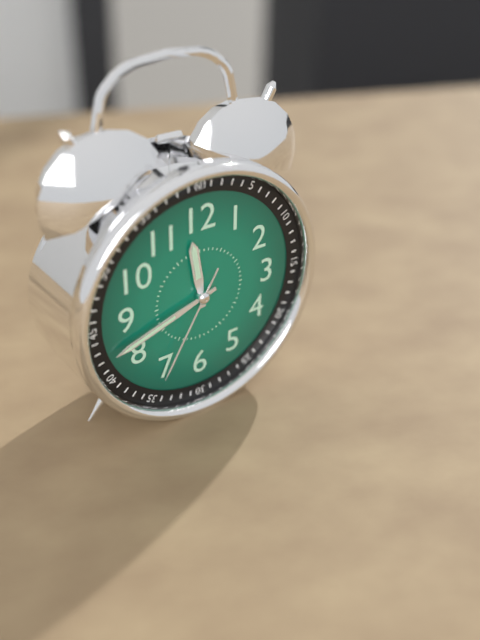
11 h 42 min 35 s
